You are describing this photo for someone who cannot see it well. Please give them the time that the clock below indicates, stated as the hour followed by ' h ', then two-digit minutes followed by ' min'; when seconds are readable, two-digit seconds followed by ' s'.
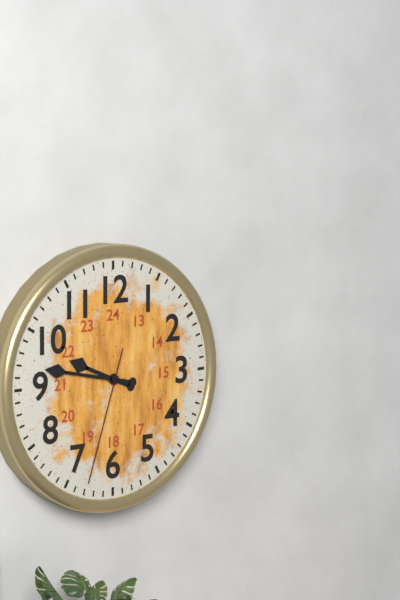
9 h 47 min 33 s
